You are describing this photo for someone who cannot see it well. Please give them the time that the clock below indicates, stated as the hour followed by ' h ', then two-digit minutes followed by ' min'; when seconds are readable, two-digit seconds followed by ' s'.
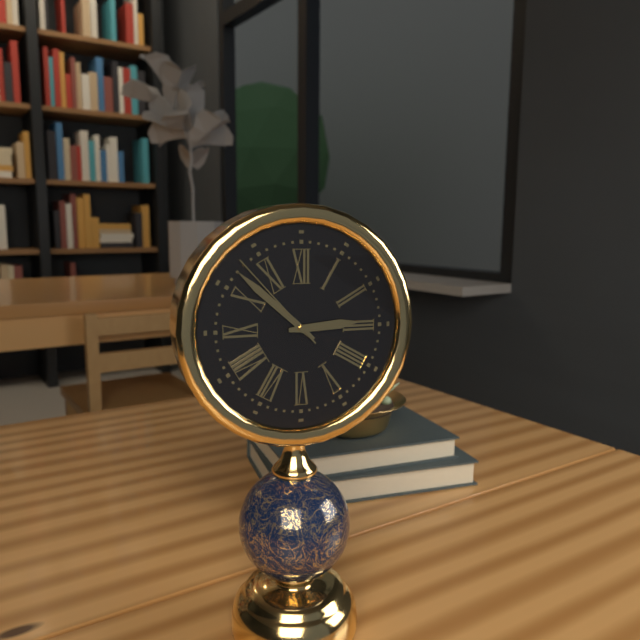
2 h 52 min 53 s
